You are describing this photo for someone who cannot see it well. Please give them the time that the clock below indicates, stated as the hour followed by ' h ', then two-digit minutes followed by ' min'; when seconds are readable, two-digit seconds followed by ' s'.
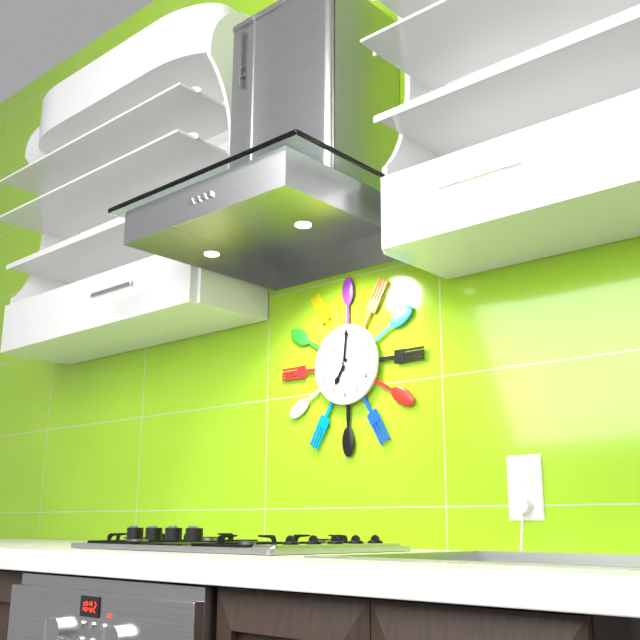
7 h 01 min
